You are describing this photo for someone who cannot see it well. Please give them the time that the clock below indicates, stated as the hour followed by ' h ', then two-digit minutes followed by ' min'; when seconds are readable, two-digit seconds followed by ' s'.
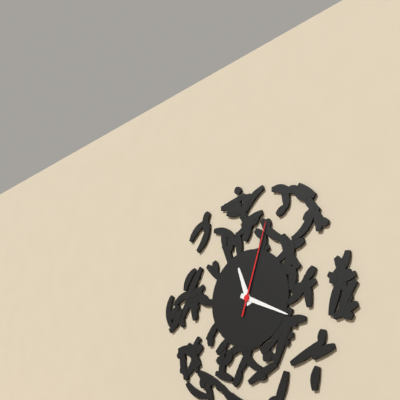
11 h 19 min 03 s
